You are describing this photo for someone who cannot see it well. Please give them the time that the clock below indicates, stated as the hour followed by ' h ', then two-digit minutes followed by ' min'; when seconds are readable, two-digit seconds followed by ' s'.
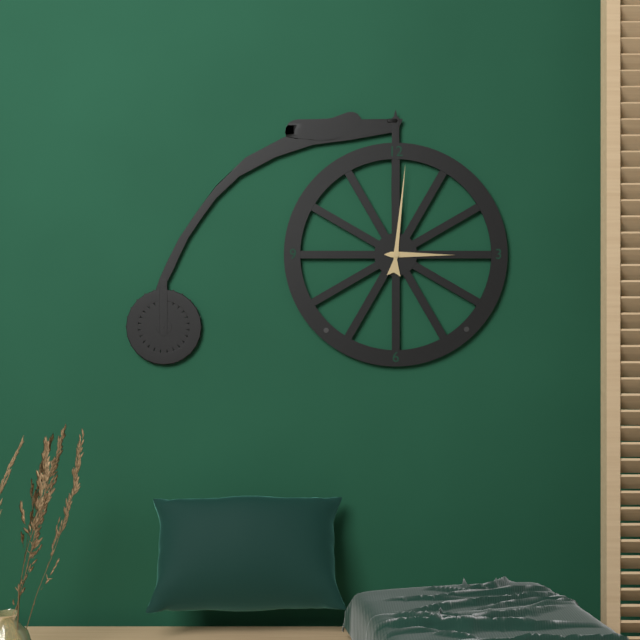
3 h 01 min
